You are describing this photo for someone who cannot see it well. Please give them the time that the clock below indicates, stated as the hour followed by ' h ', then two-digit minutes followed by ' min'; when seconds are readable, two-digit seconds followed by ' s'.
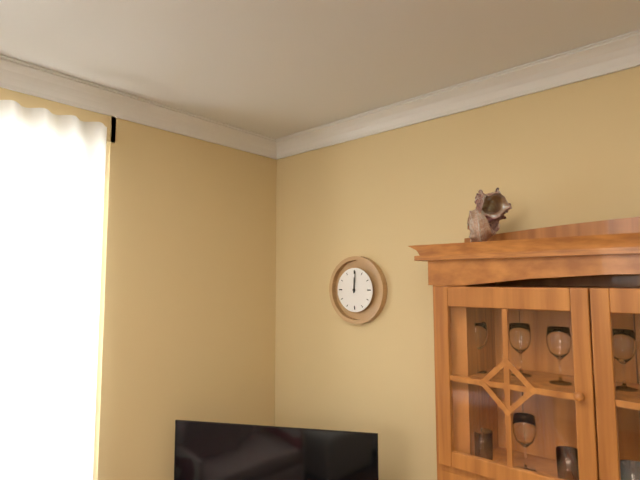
12 h 01 min
